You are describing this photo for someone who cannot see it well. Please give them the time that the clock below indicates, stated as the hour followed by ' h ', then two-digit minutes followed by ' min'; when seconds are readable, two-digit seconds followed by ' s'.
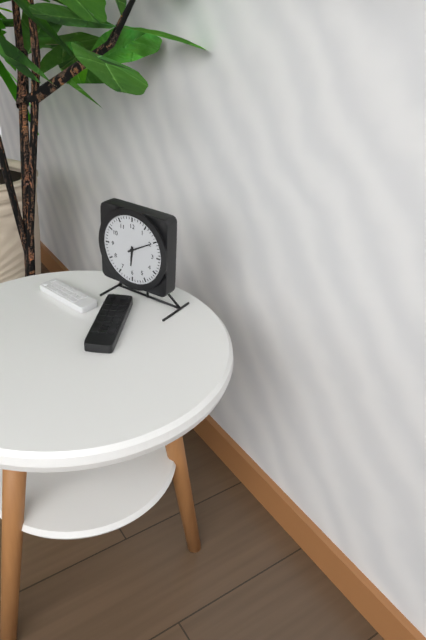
6 h 10 min
